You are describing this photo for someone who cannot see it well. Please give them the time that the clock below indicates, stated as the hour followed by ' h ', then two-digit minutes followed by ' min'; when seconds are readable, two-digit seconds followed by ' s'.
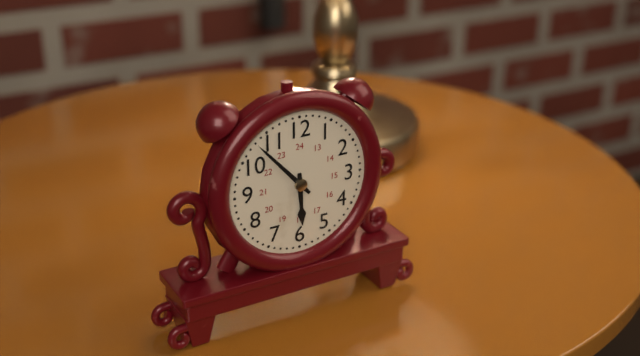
5 h 53 min
